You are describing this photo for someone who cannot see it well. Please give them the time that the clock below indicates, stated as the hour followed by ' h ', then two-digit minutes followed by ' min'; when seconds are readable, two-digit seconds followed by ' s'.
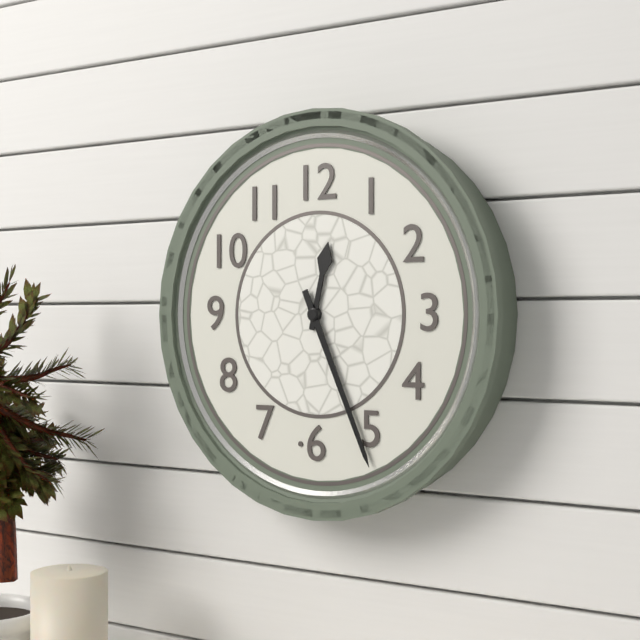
12 h 26 min
